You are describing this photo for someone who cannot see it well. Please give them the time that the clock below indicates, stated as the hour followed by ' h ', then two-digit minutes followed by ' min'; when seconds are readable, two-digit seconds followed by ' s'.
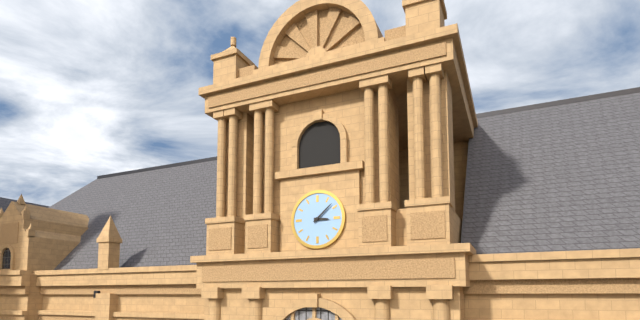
3 h 08 min
